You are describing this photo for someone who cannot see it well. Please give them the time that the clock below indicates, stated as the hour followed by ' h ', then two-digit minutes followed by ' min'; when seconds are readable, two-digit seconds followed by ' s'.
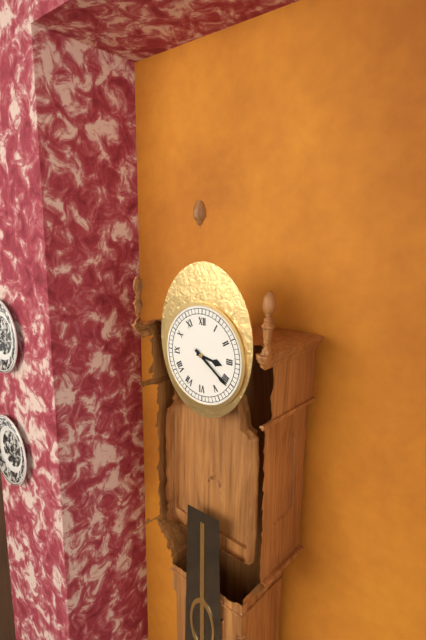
3 h 21 min
